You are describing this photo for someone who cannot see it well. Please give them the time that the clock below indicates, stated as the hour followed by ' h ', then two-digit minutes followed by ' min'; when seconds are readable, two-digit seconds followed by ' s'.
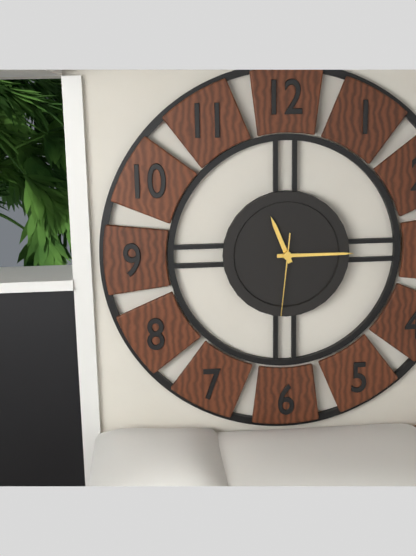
11 h 15 min 31 s
